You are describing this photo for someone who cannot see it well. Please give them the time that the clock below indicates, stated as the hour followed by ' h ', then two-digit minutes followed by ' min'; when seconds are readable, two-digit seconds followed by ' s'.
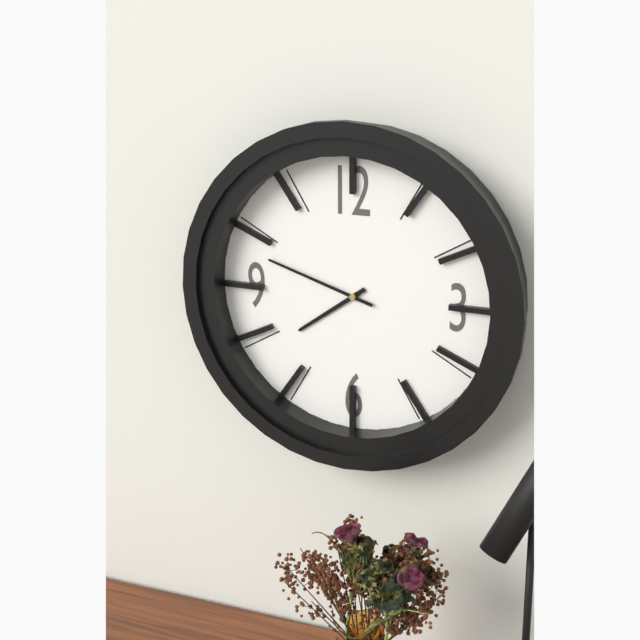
7 h 48 min
